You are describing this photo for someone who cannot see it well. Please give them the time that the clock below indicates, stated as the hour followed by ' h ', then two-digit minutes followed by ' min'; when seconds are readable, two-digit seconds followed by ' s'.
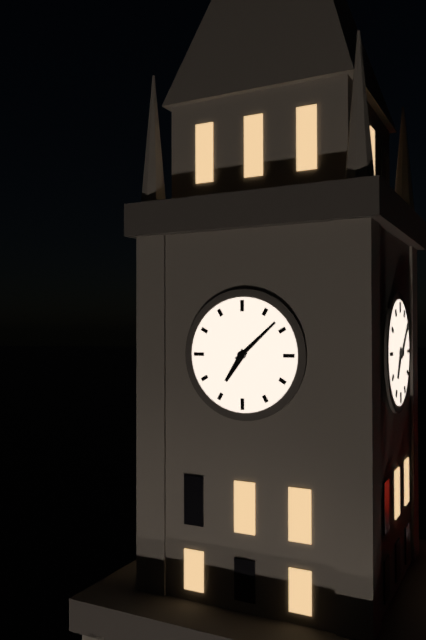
7 h 08 min
